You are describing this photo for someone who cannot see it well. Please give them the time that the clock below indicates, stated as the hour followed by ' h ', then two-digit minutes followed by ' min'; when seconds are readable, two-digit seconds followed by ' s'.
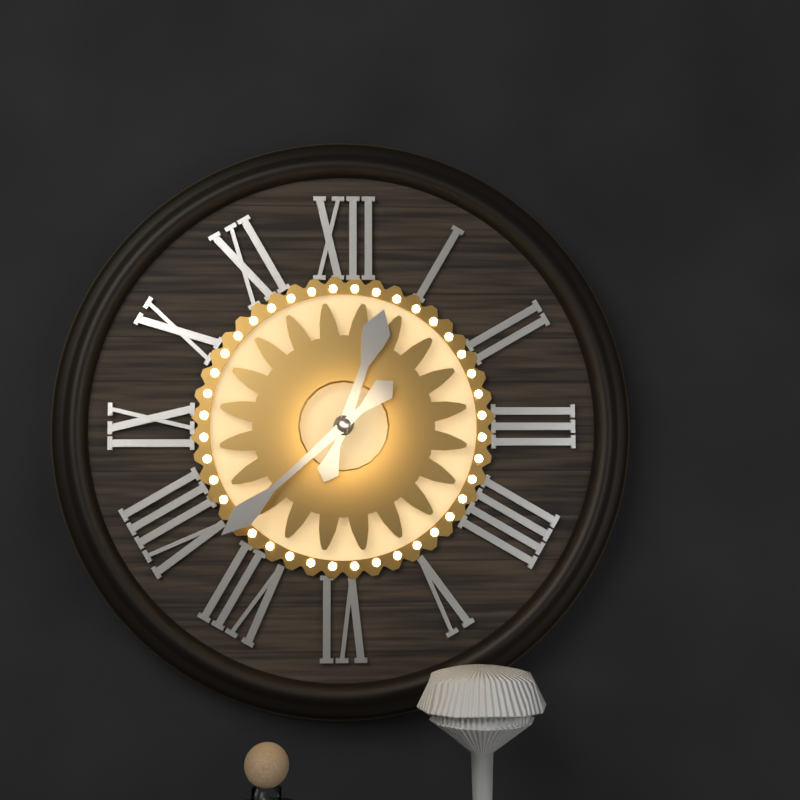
12 h 38 min
